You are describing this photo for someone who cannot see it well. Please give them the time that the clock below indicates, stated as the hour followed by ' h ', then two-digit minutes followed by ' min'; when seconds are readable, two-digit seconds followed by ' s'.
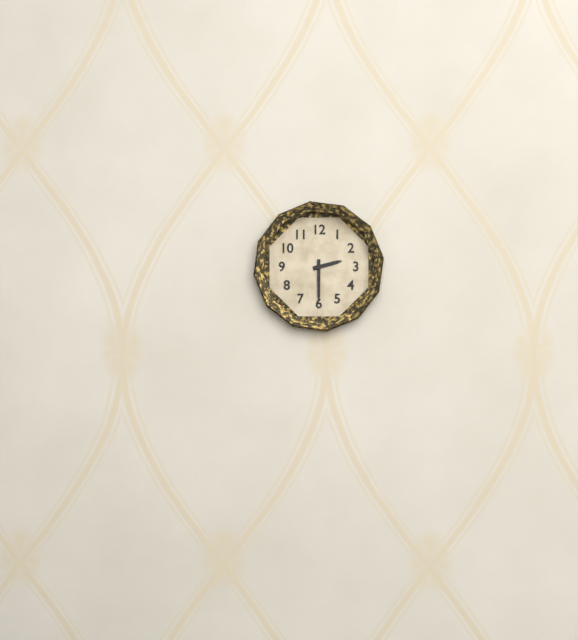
2 h 30 min
